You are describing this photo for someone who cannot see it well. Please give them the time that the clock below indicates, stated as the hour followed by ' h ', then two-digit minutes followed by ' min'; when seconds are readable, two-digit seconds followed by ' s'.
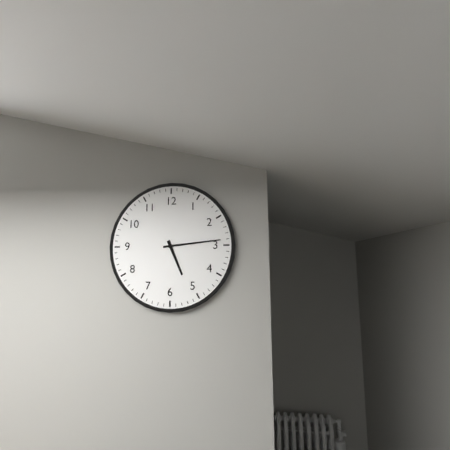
5 h 14 min
